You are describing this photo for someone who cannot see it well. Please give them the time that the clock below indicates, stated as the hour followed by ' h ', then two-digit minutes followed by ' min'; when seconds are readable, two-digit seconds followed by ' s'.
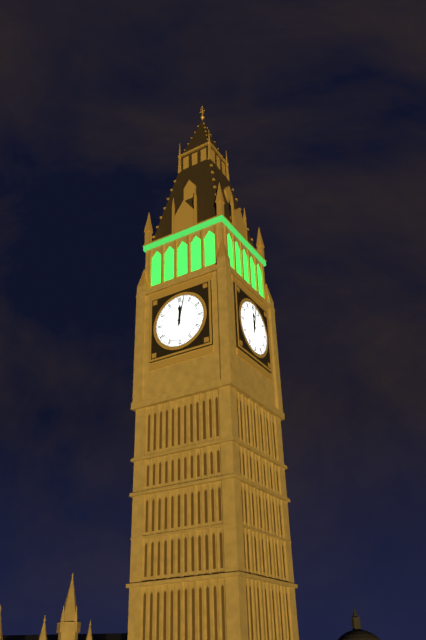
12 h 02 min
